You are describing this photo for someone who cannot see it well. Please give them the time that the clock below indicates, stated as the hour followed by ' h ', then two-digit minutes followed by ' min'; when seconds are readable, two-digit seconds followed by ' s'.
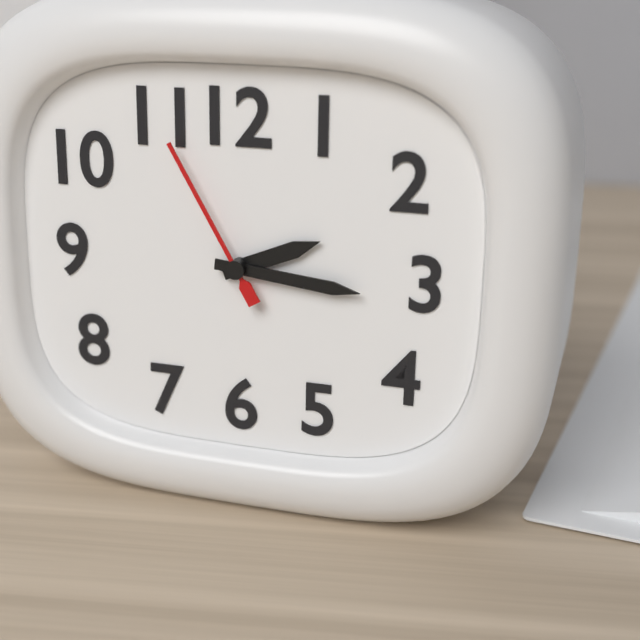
2 h 16 min 55 s
